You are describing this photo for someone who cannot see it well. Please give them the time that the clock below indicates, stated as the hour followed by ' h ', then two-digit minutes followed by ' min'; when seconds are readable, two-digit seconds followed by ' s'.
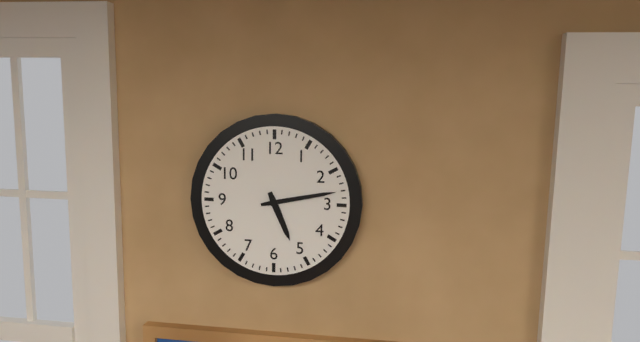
5 h 13 min
